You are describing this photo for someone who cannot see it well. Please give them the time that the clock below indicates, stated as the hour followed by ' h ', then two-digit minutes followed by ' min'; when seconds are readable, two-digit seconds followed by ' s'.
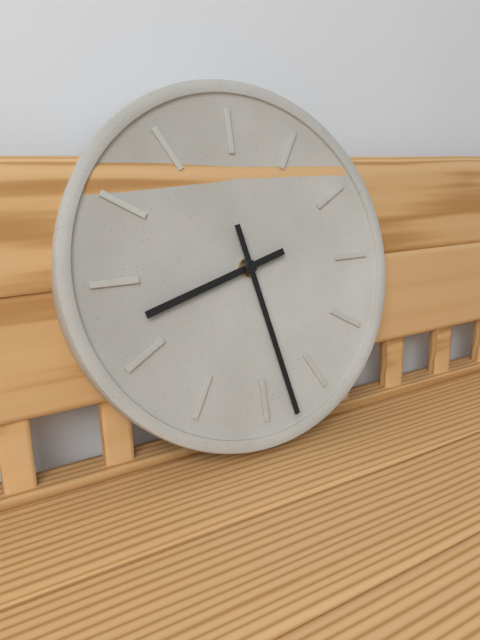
8 h 28 min
